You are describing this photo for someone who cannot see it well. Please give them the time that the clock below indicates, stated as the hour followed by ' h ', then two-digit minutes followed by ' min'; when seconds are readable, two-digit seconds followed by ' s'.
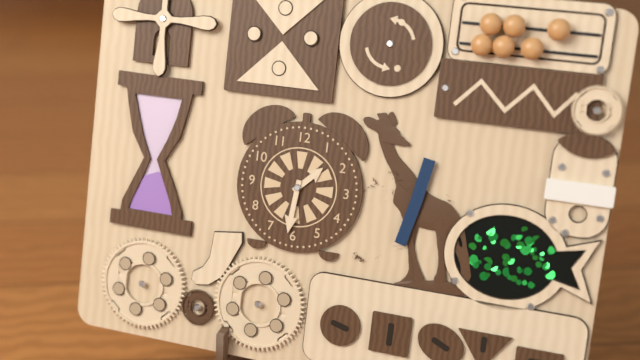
1 h 31 min
